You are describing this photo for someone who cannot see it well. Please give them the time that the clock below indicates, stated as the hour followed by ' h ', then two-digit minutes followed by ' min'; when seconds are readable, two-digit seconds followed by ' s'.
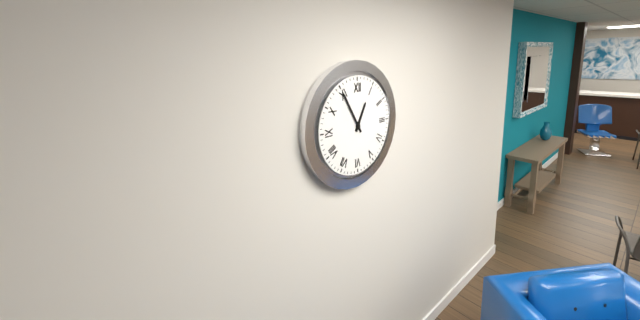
12 h 55 min
